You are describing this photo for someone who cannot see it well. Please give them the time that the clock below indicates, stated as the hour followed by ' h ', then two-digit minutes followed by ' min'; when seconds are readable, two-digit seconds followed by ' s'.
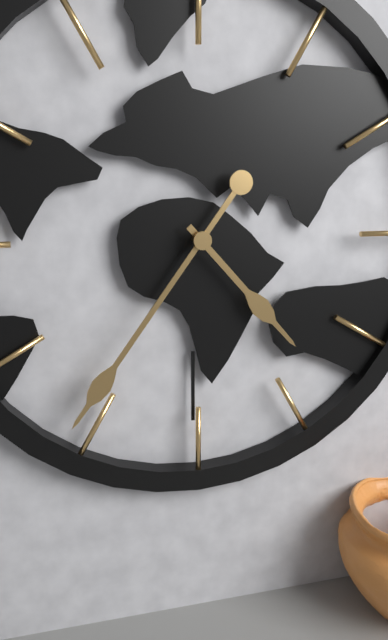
4 h 36 min
